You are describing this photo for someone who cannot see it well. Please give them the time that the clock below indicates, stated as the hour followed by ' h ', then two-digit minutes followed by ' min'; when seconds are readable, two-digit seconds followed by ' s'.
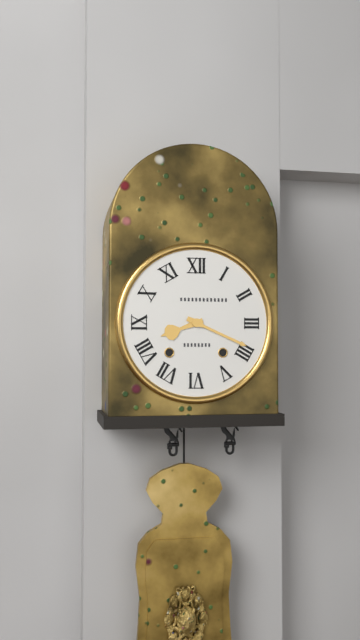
8 h 19 min
